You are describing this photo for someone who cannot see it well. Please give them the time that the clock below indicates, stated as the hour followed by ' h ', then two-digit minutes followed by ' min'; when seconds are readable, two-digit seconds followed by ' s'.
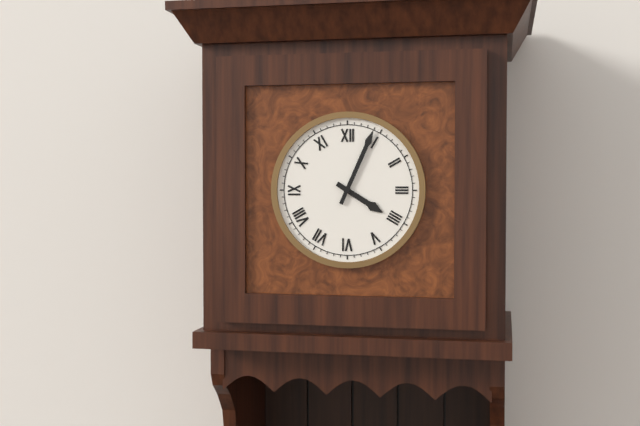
4 h 04 min
